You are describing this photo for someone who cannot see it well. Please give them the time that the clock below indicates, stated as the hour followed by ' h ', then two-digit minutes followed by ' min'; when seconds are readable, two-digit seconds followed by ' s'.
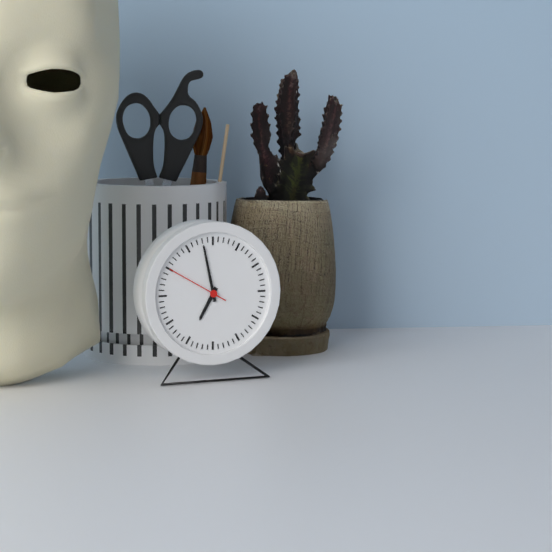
6 h 58 min 50 s
